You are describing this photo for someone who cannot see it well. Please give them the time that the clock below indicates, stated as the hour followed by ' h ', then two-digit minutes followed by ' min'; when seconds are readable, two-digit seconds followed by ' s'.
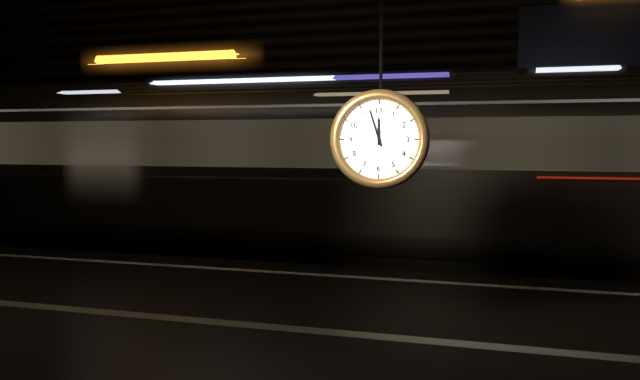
11 h 57 min
